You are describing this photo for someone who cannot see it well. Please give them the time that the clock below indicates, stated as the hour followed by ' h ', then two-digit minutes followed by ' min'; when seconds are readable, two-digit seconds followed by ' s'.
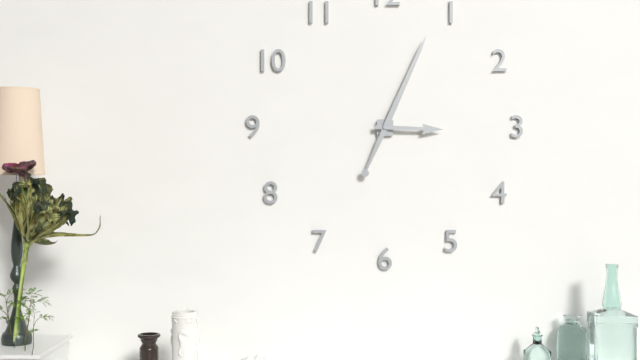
3 h 04 min
